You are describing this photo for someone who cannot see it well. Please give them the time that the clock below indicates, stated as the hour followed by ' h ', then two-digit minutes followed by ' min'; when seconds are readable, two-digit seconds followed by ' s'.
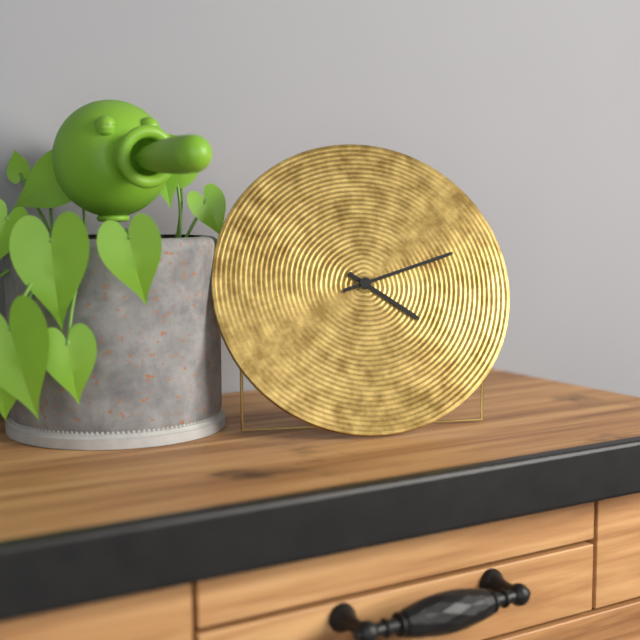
4 h 12 min
